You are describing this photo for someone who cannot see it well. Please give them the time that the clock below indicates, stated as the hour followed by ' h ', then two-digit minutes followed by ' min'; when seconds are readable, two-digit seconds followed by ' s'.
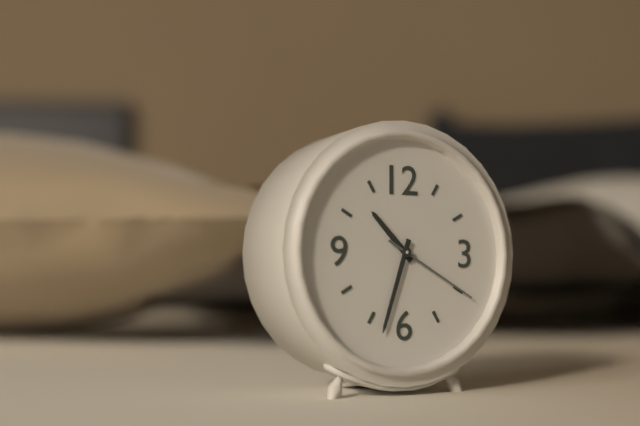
10 h 33 min 20 s
